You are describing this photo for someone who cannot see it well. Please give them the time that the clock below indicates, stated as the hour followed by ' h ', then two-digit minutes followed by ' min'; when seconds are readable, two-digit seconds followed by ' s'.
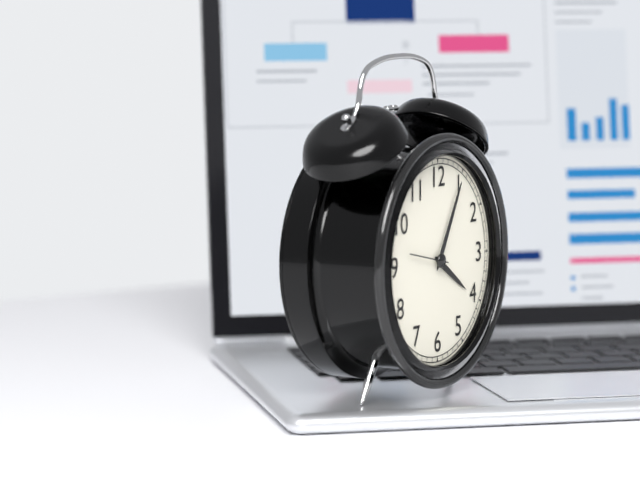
4 h 05 min
